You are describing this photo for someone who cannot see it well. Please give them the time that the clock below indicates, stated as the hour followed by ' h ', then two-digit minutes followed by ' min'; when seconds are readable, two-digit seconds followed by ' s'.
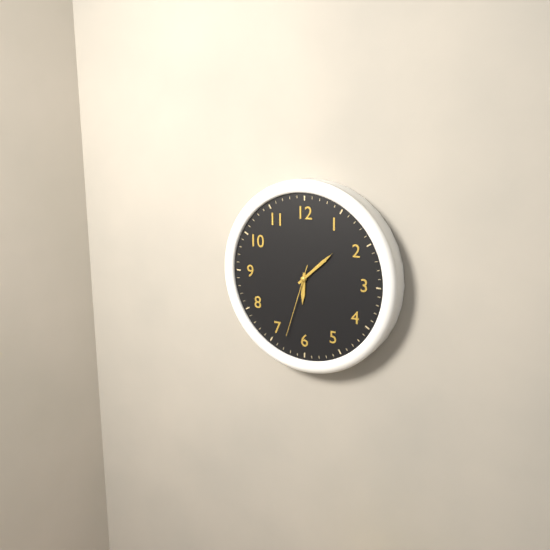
6 h 08 min 33 s
